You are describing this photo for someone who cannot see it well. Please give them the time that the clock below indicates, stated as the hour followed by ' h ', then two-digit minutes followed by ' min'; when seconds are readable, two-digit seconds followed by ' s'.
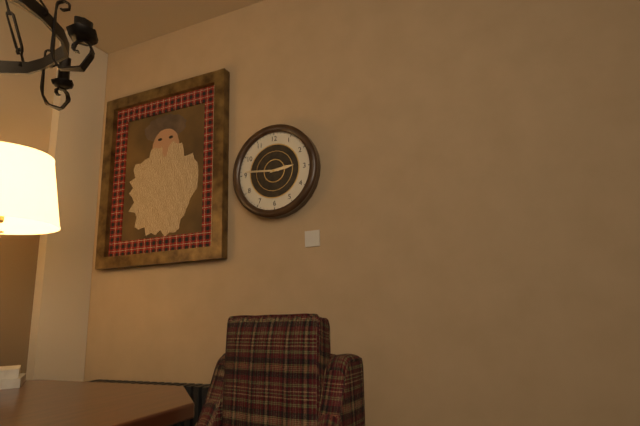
2 h 46 min
